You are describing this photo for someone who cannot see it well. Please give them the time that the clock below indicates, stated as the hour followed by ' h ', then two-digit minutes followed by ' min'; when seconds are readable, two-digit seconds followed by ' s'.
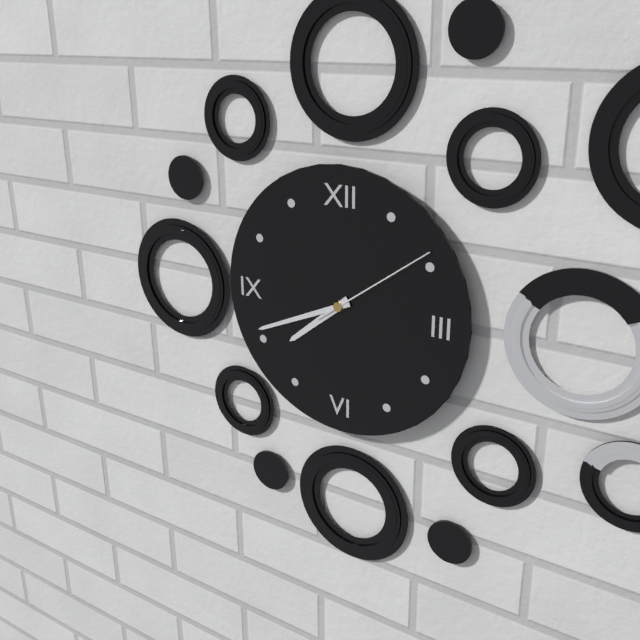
7 h 41 min 09 s
